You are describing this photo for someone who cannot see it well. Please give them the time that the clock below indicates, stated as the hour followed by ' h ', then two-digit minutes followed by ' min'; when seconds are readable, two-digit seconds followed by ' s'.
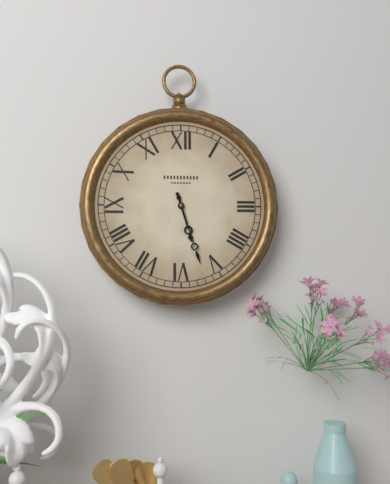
5 h 27 min
